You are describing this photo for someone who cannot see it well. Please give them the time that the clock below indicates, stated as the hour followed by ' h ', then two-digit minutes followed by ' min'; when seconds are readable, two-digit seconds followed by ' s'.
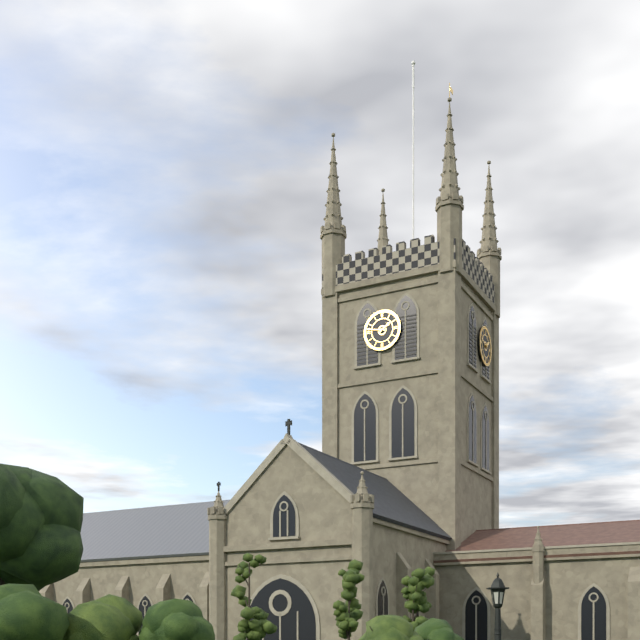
1 h 47 min
